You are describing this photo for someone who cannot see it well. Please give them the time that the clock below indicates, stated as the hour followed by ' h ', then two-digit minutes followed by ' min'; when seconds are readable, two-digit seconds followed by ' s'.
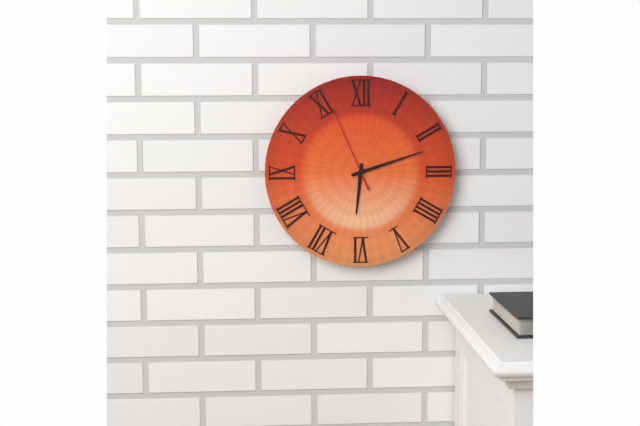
6 h 12 min 56 s
